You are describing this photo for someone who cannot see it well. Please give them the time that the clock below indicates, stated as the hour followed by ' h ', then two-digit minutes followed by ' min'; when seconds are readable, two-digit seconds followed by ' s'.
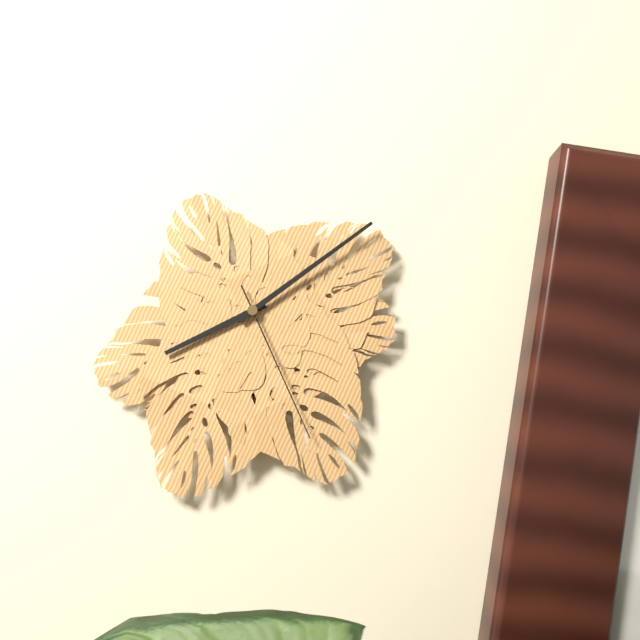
8 h 09 min 26 s
